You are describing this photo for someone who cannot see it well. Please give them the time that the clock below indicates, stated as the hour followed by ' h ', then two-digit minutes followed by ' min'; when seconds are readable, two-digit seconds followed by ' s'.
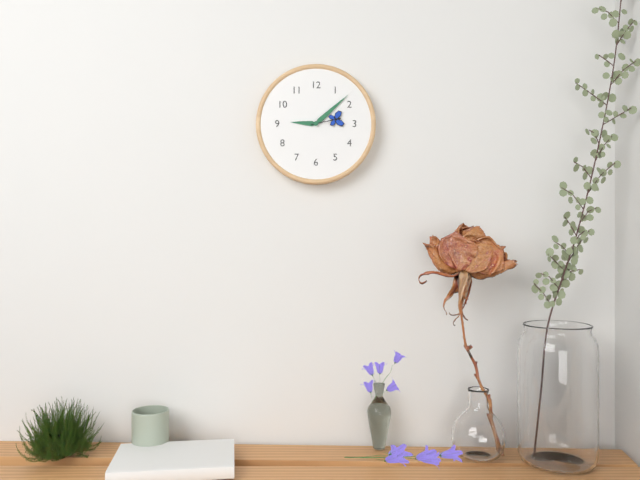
9 h 08 min
